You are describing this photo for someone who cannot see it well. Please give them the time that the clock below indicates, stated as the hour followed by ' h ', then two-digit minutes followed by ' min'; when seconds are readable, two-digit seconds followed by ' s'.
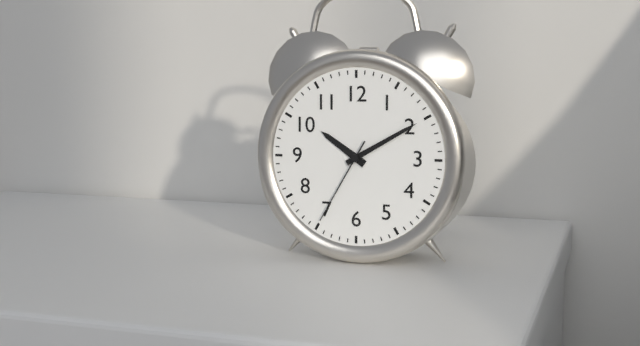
10 h 10 min 35 s
